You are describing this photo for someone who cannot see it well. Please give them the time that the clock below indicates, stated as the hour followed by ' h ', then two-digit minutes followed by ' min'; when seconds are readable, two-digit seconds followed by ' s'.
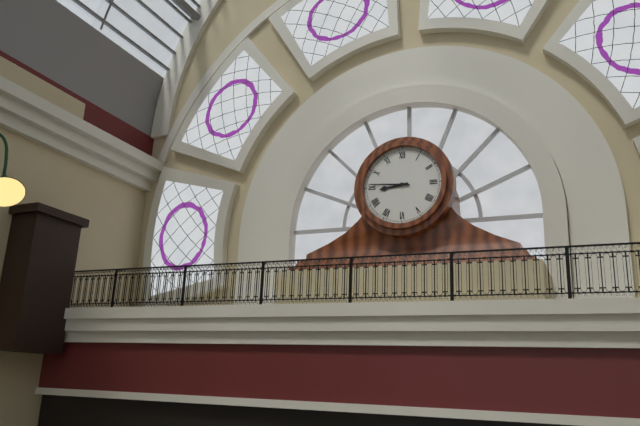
8 h 46 min
